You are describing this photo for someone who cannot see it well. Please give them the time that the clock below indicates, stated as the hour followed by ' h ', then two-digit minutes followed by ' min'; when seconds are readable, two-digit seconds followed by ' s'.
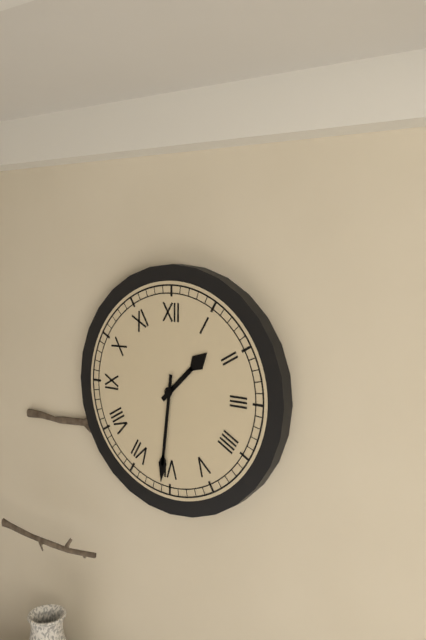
1 h 31 min
